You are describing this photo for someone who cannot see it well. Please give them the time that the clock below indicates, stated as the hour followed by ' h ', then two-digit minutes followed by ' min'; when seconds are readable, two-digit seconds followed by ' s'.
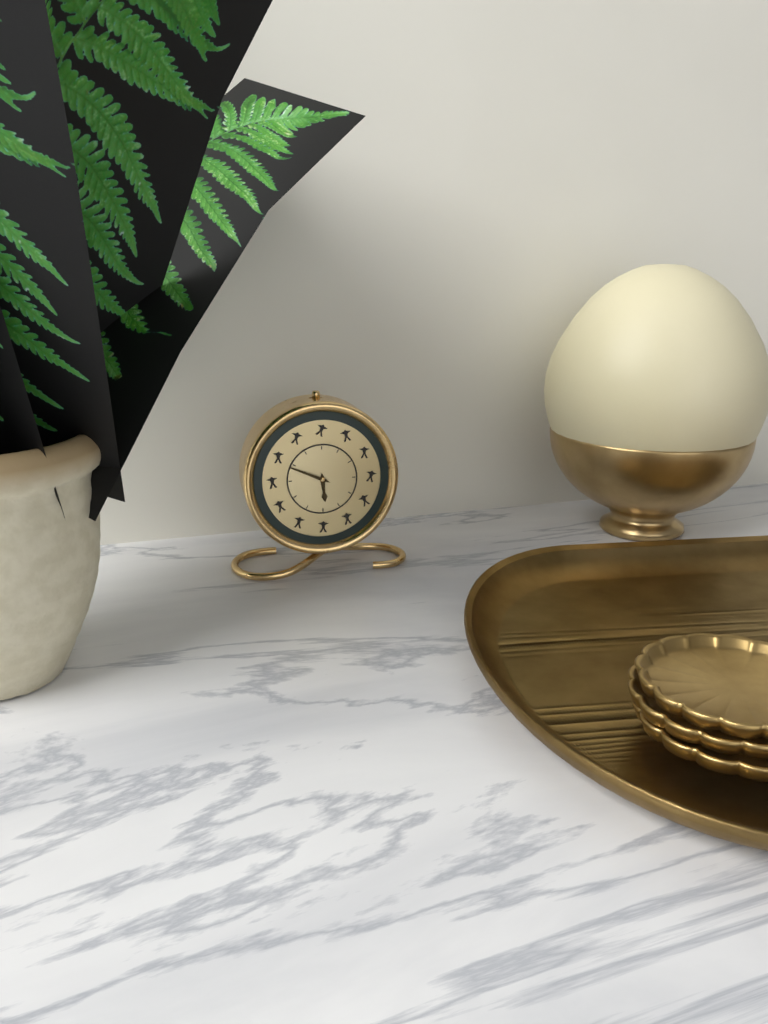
5 h 49 min
